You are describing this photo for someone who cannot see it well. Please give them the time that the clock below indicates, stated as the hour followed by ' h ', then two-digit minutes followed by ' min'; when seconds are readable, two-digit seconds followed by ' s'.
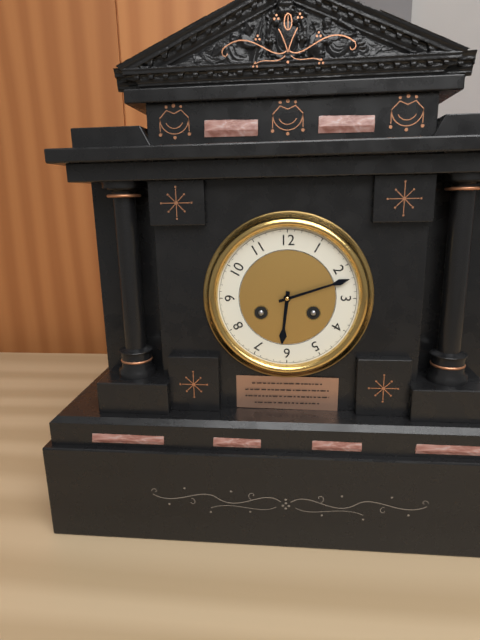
6 h 12 min
